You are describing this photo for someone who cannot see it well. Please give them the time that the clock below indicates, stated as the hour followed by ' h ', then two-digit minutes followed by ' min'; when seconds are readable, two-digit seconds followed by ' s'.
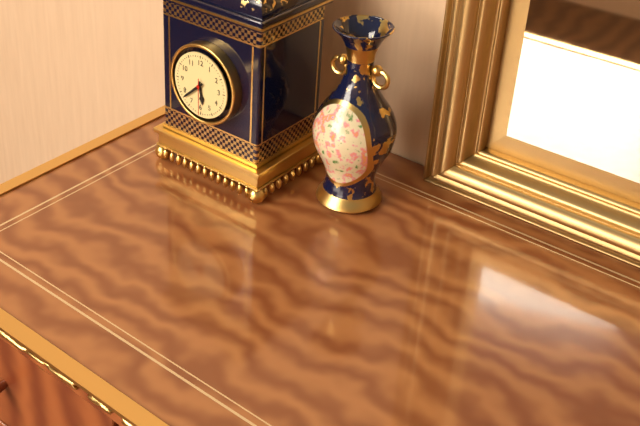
5 h 38 min
